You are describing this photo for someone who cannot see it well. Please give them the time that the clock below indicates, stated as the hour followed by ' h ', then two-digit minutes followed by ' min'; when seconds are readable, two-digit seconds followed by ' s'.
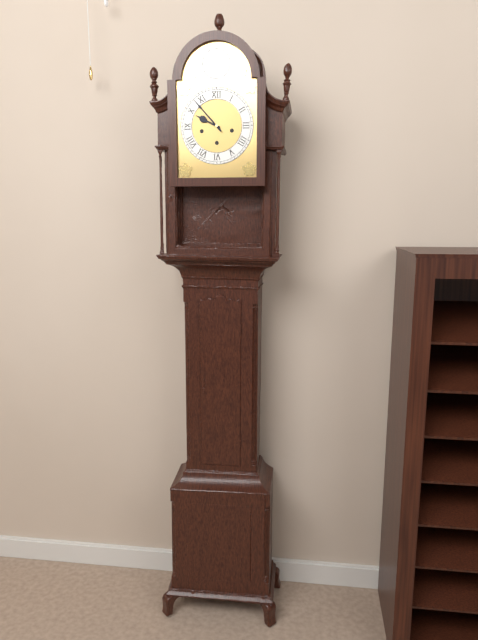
9 h 53 min
